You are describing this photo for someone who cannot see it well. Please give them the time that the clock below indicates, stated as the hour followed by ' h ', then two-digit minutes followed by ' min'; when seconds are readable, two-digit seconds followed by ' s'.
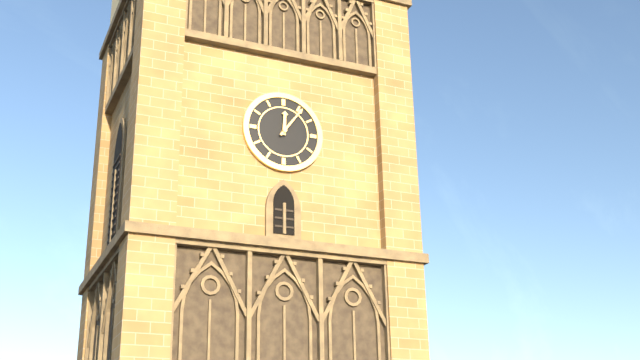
12 h 06 min
